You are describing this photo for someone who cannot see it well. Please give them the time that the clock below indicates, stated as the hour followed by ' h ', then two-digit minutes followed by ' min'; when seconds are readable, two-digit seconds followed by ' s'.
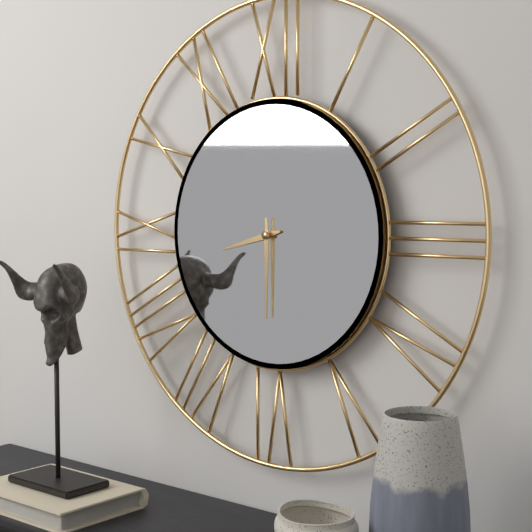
8 h 30 min
